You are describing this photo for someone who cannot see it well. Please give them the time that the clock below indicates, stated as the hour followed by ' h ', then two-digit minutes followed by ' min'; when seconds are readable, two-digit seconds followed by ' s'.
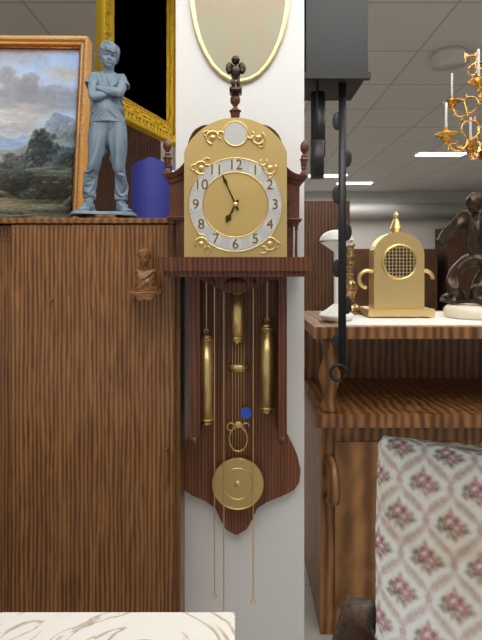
6 h 56 min
